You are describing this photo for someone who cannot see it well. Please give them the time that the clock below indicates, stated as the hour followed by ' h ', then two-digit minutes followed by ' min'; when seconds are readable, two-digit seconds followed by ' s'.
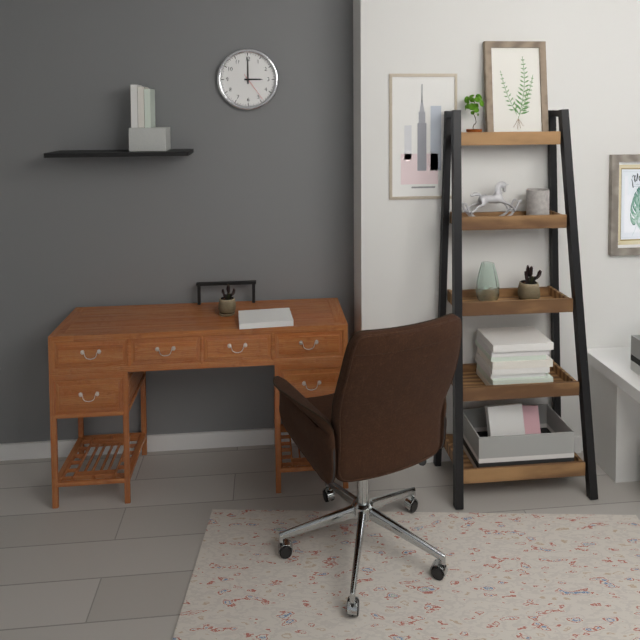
3 h 00 min
